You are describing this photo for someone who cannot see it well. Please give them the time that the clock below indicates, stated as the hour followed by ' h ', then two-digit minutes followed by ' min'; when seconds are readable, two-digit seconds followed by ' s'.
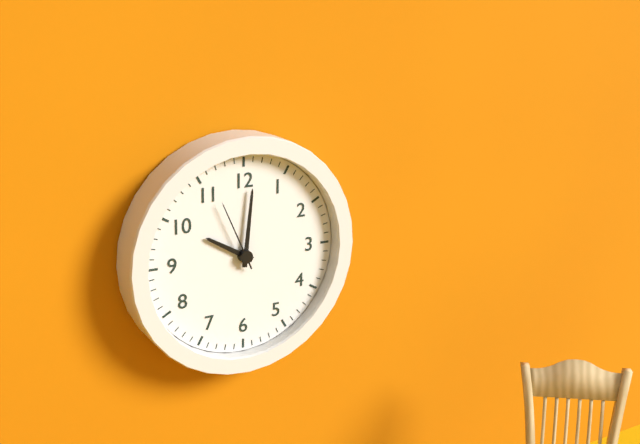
10 h 01 min 56 s
